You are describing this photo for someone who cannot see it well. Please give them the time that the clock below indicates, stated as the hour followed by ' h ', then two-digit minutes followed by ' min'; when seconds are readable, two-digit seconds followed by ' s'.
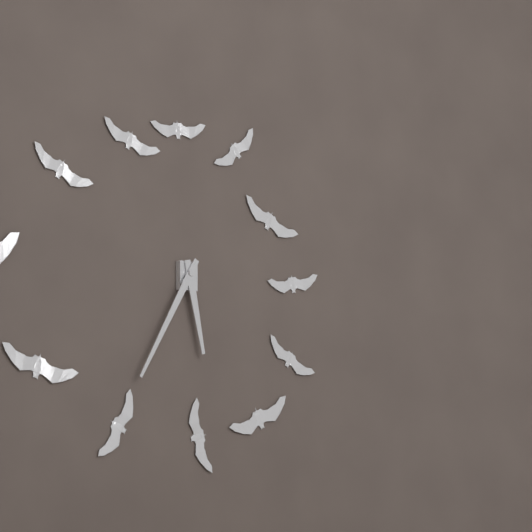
5 h 35 min
